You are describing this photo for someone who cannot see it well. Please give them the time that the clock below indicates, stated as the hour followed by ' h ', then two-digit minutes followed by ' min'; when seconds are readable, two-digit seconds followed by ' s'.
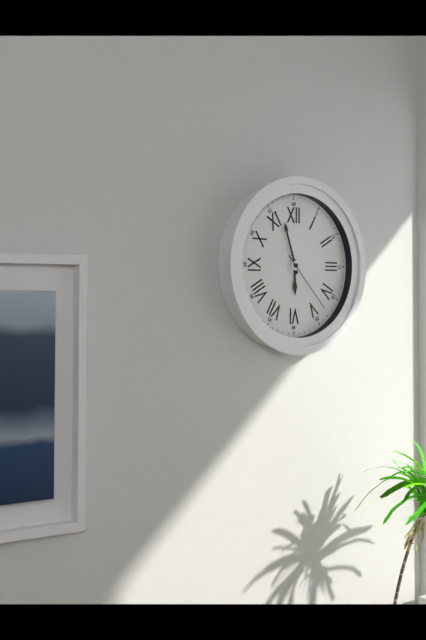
5 h 57 min 23 s
